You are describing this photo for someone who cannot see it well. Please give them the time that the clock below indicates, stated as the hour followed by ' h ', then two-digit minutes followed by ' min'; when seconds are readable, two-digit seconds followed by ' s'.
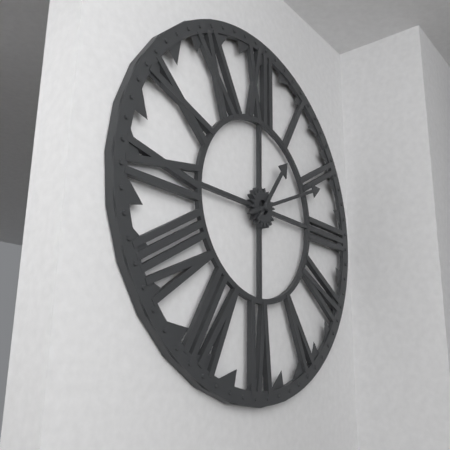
1 h 11 min
